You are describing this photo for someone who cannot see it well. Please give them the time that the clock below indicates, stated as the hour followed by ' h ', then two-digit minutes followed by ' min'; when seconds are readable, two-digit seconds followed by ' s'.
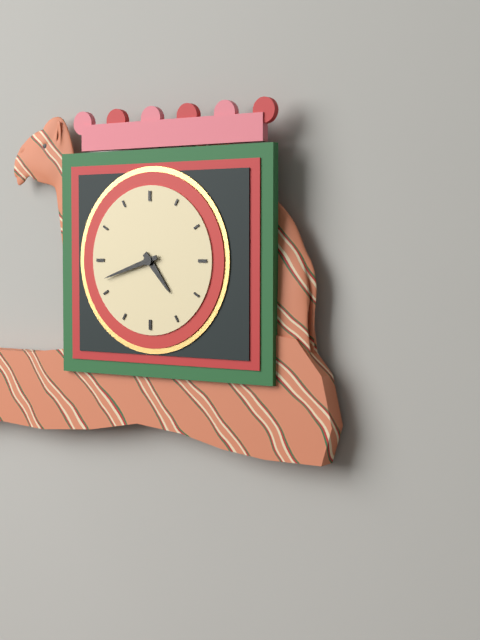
4 h 42 min
